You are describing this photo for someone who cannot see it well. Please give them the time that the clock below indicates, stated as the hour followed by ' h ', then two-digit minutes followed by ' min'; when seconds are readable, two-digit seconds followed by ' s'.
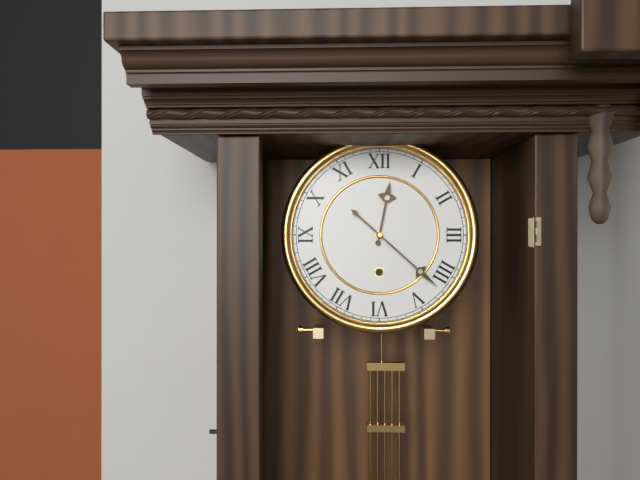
12 h 22 min
